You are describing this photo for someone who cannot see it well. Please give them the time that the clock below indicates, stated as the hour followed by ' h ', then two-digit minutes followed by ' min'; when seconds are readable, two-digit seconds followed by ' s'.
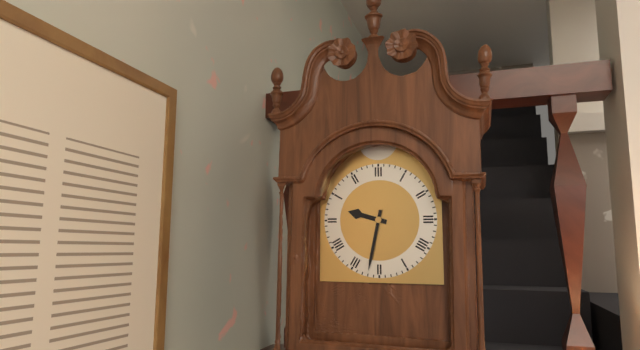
9 h 32 min
